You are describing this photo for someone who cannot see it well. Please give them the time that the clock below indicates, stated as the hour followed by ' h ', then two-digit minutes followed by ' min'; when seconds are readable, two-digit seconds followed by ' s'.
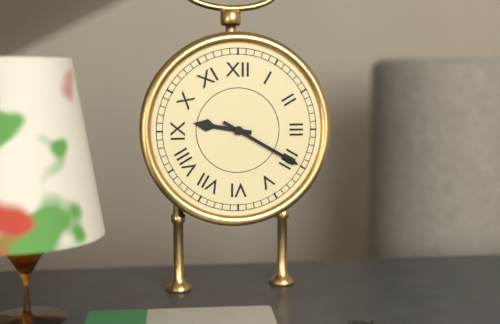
9 h 20 min
